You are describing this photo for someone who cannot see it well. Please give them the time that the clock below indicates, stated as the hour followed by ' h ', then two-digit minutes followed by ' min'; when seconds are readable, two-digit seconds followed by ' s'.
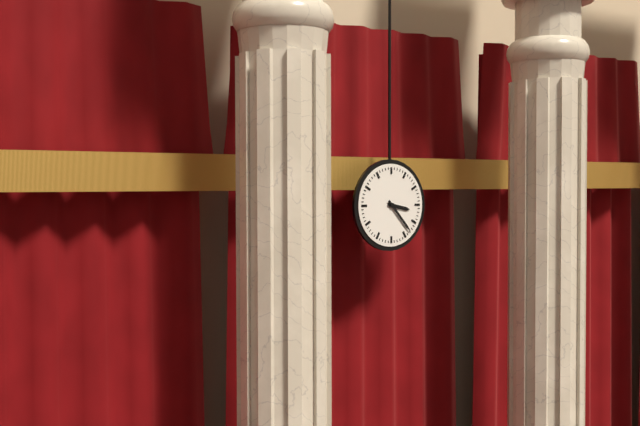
3 h 23 min
